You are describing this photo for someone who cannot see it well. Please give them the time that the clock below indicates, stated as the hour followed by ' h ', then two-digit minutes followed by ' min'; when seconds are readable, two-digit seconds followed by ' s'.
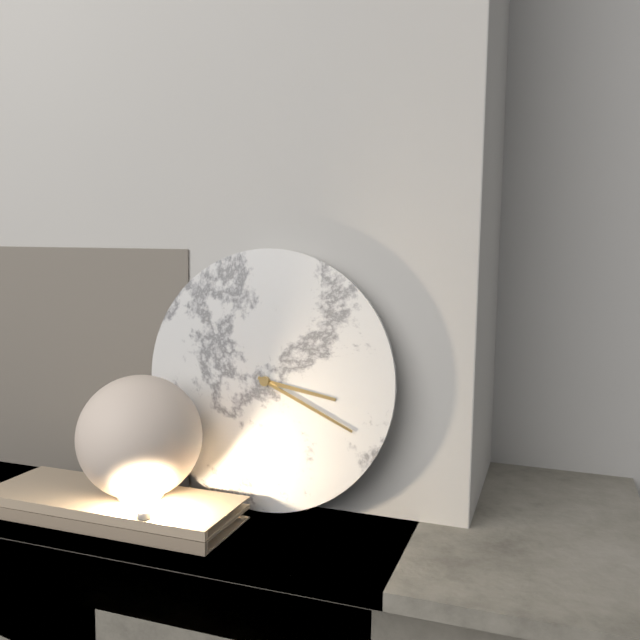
3 h 19 min
